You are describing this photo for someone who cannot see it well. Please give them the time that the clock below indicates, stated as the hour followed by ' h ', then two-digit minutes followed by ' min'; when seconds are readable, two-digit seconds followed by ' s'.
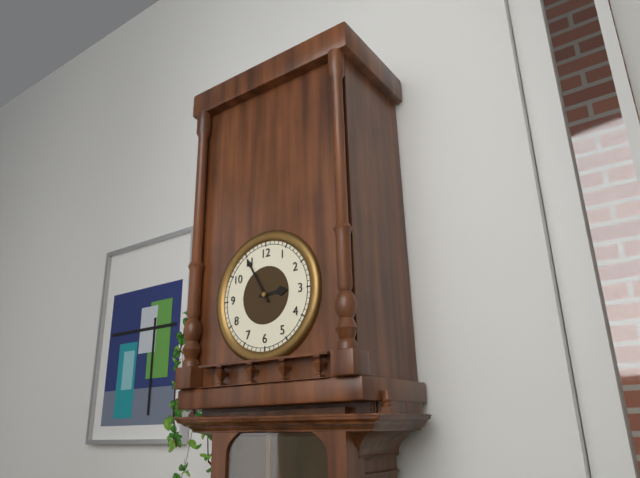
2 h 55 min
